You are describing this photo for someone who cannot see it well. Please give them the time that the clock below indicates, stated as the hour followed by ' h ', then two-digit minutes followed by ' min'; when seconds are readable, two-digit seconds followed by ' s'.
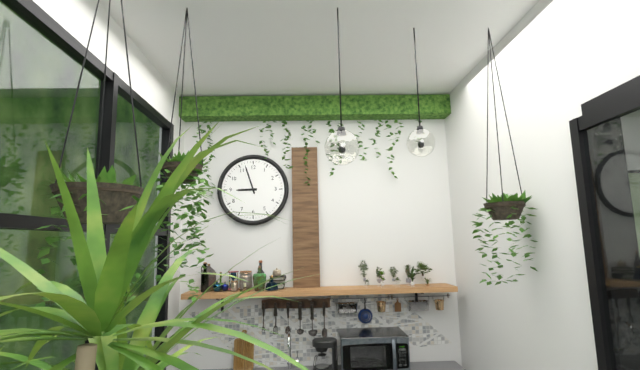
8 h 57 min
